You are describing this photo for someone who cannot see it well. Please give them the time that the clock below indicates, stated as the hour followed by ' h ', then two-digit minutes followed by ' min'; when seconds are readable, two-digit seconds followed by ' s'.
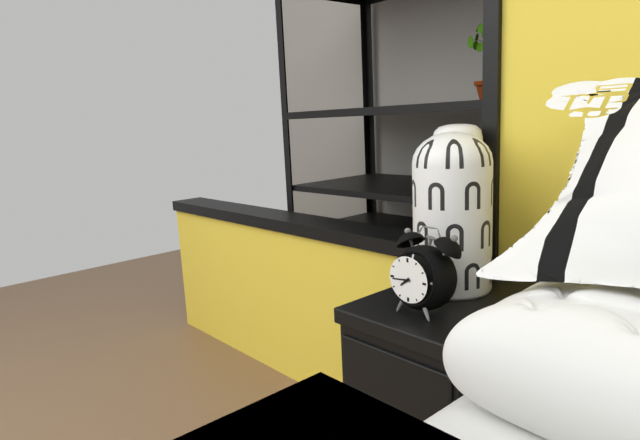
7 h 44 min
